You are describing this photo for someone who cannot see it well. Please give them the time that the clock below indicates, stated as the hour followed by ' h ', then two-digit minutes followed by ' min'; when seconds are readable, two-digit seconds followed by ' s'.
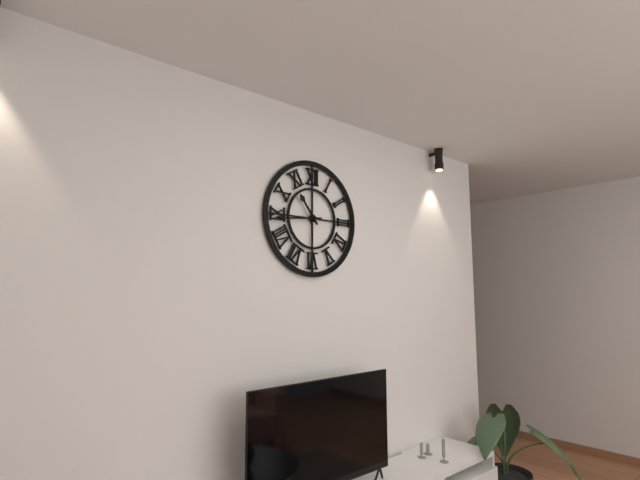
10 h 44 min
